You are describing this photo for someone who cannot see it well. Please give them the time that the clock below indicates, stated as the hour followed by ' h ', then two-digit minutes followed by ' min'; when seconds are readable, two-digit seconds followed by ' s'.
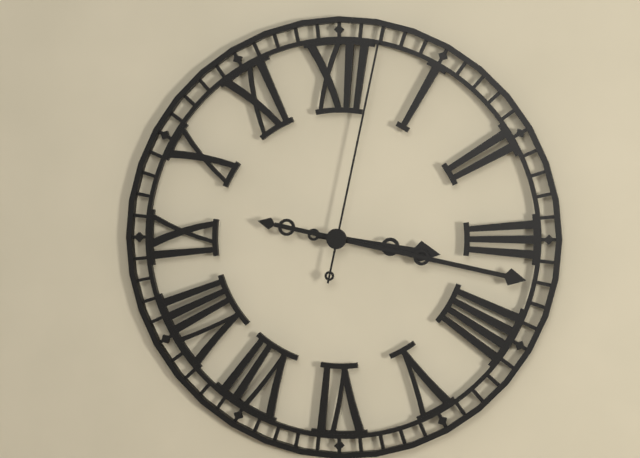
3 h 17 min 02 s
